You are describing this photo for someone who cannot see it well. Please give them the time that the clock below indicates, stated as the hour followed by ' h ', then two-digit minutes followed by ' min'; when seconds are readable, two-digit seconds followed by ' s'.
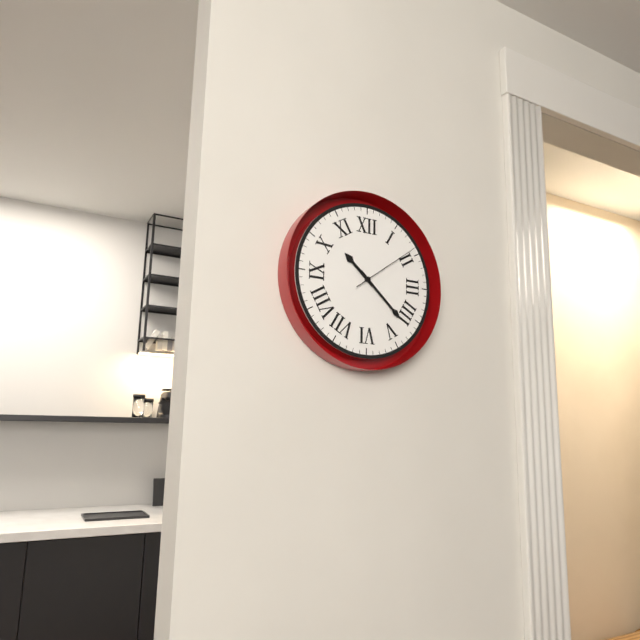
10 h 22 min 09 s
